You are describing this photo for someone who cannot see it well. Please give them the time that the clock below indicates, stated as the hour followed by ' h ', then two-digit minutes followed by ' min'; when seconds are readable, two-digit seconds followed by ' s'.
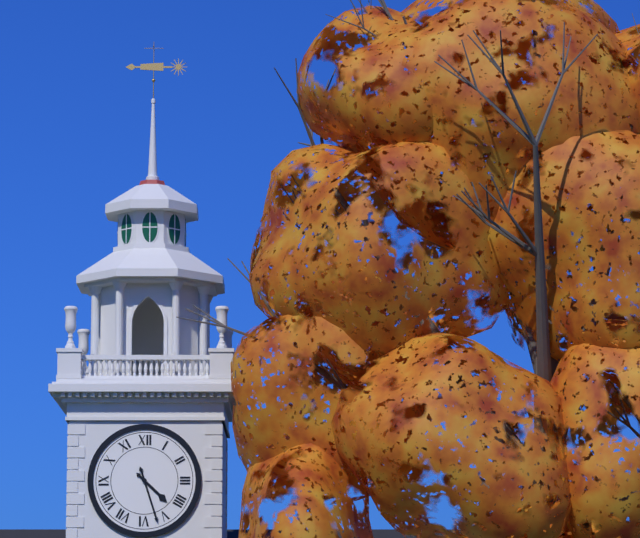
4 h 27 min
